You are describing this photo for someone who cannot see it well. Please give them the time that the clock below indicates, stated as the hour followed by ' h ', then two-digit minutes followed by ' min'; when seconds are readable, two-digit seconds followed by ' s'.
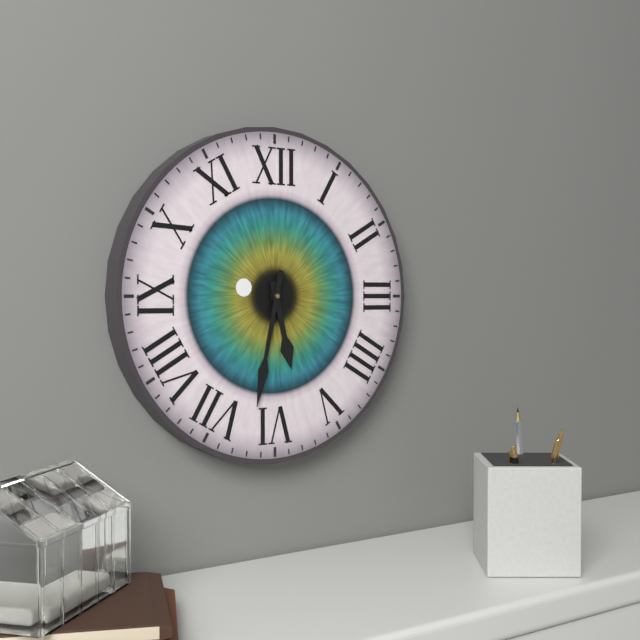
5 h 32 min
